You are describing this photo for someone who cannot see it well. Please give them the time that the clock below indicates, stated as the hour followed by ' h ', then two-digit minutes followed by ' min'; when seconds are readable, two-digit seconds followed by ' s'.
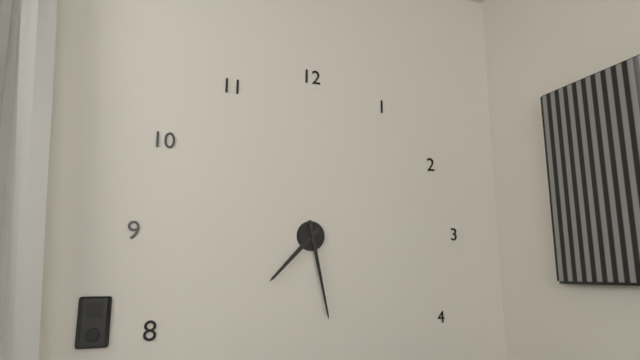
7 h 28 min
